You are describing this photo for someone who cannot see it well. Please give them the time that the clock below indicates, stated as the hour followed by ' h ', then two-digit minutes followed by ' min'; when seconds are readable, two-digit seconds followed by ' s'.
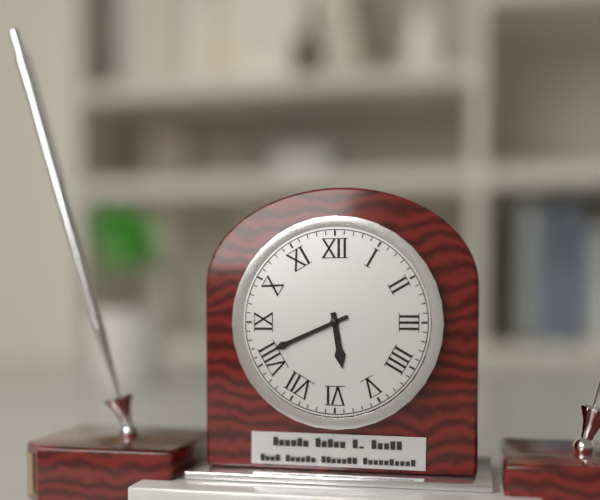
5 h 41 min
